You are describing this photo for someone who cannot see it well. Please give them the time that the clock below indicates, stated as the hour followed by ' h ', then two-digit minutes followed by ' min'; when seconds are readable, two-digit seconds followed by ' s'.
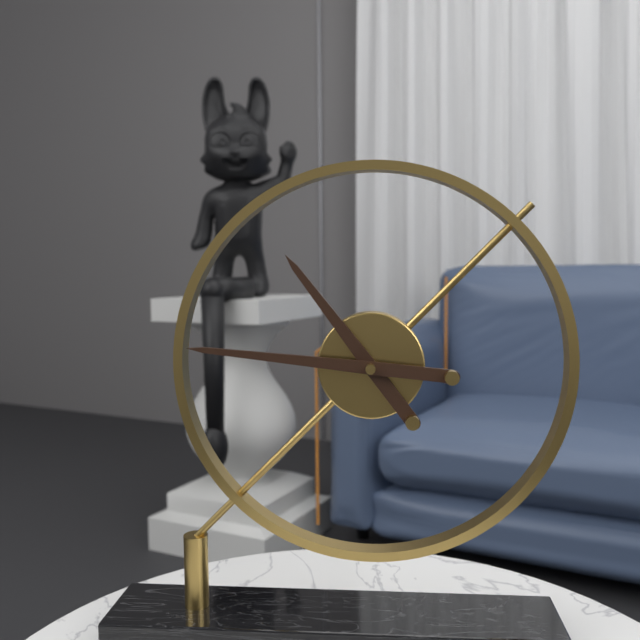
10 h 46 min
